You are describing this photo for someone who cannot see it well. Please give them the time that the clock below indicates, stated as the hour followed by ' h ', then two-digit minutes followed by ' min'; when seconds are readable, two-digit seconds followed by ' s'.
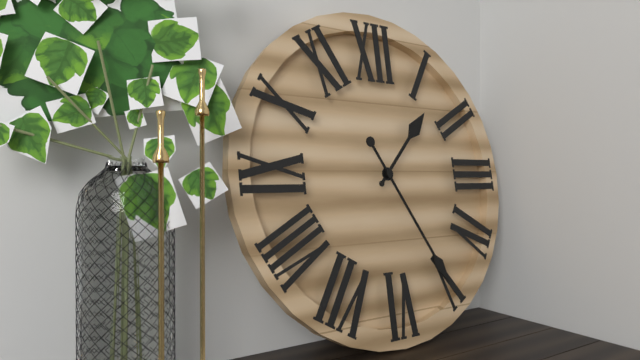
1 h 25 min
